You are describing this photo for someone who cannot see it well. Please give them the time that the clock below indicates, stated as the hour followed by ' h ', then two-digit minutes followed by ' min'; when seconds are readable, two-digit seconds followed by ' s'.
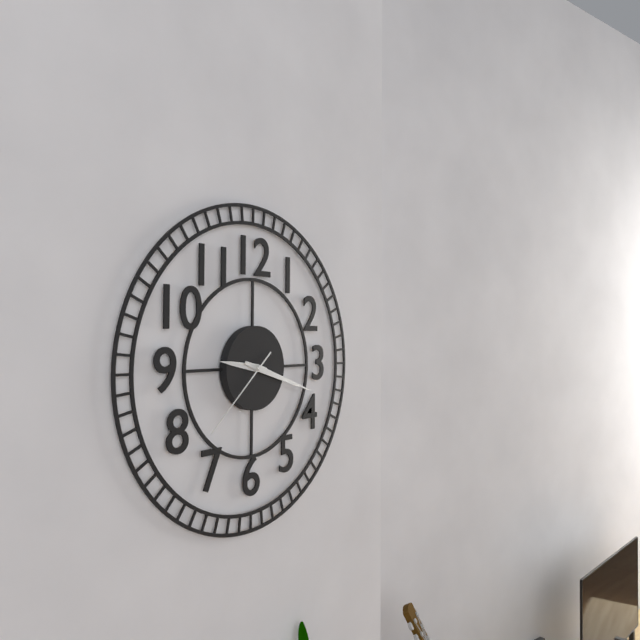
9 h 18 min 38 s
